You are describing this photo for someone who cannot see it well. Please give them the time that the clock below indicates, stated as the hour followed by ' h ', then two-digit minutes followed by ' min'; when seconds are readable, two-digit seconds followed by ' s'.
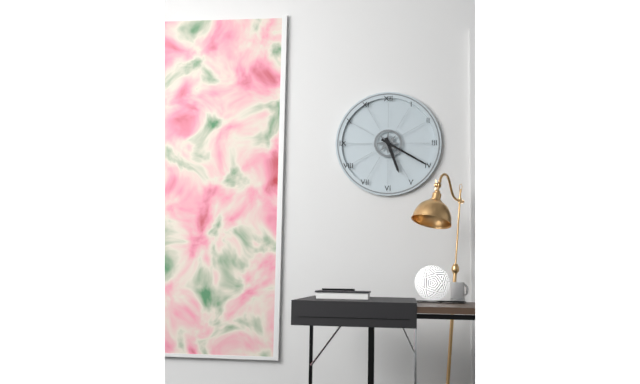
5 h 20 min
